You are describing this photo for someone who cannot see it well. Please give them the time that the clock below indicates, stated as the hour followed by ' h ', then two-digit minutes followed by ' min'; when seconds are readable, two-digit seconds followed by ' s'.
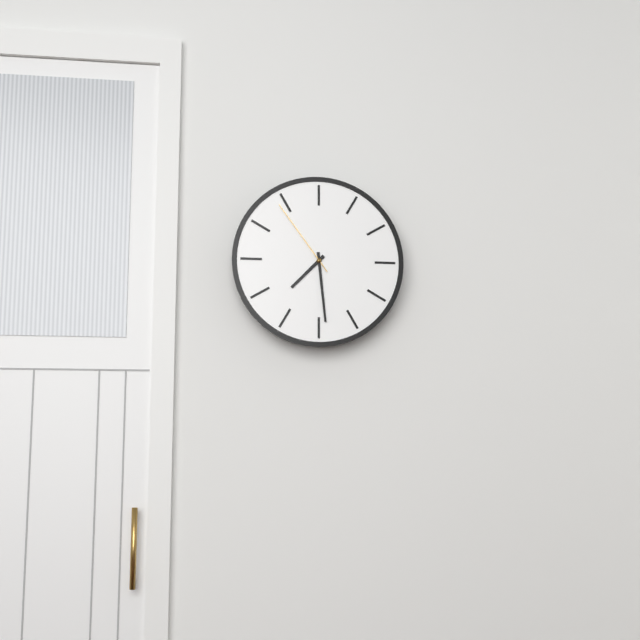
7 h 29 min 54 s
